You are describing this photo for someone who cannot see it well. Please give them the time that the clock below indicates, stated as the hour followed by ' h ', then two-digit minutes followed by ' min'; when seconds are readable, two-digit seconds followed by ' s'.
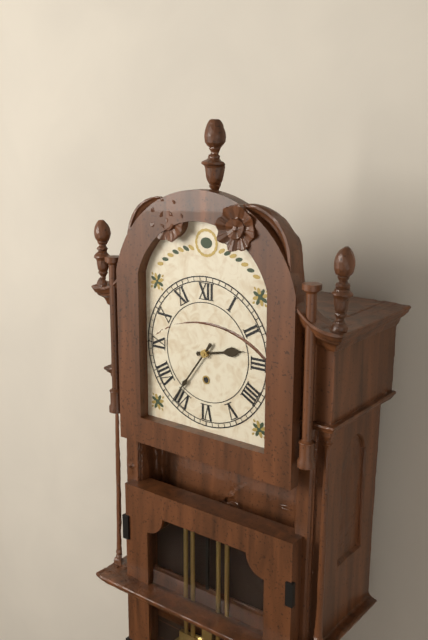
2 h 36 min
